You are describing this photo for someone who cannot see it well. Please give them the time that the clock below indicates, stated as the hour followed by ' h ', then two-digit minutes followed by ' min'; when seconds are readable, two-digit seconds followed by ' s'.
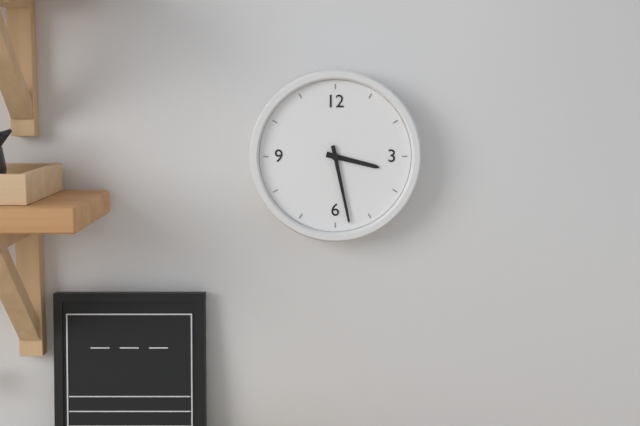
3 h 28 min
